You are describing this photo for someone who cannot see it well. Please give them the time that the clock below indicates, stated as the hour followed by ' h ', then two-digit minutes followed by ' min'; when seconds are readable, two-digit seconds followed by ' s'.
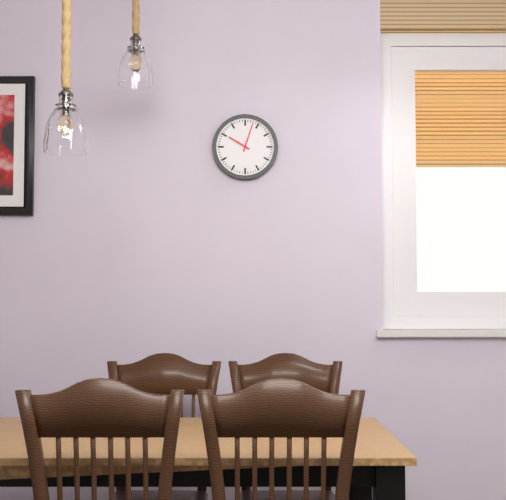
10 h 03 min
